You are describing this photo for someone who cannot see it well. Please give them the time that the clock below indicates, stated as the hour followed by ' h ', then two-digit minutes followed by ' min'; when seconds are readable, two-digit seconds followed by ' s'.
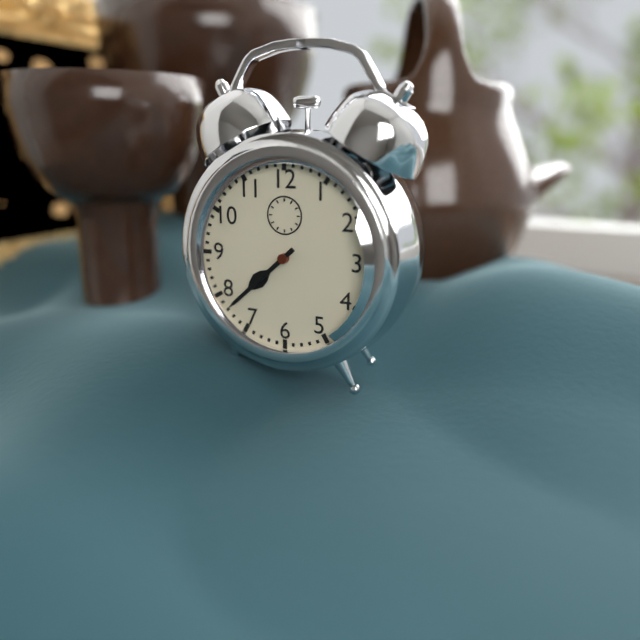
7 h 38 min
